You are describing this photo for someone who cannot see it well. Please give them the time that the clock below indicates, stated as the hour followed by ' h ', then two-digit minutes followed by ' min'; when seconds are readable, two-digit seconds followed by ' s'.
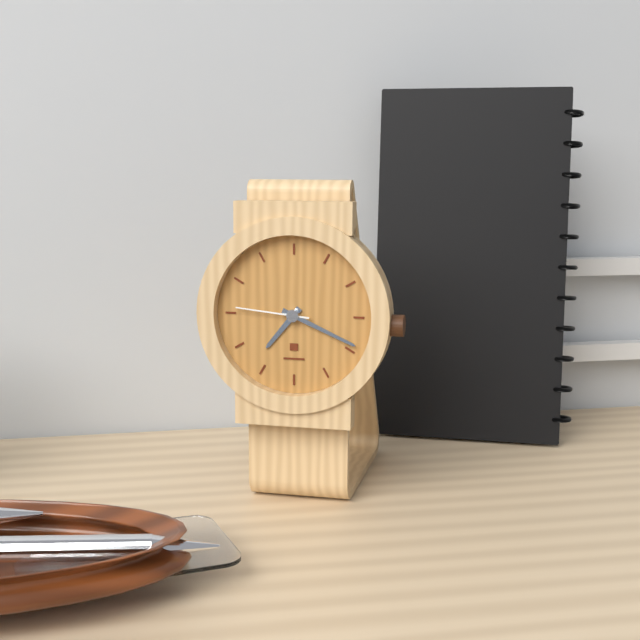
7 h 19 min 46 s
